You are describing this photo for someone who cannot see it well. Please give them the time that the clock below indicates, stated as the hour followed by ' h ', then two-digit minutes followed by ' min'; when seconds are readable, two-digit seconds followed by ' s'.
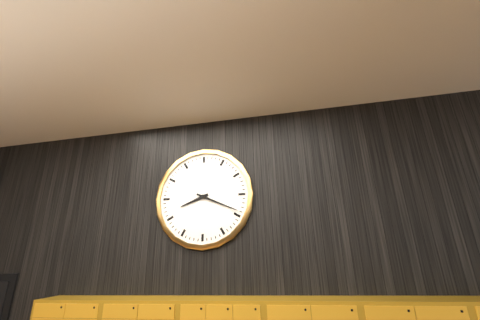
8 h 19 min
